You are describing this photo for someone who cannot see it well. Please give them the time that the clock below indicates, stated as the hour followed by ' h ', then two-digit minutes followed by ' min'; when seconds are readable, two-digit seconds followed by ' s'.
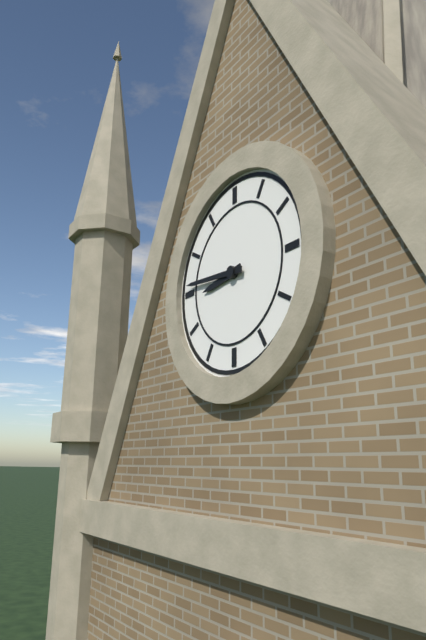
8 h 46 min
